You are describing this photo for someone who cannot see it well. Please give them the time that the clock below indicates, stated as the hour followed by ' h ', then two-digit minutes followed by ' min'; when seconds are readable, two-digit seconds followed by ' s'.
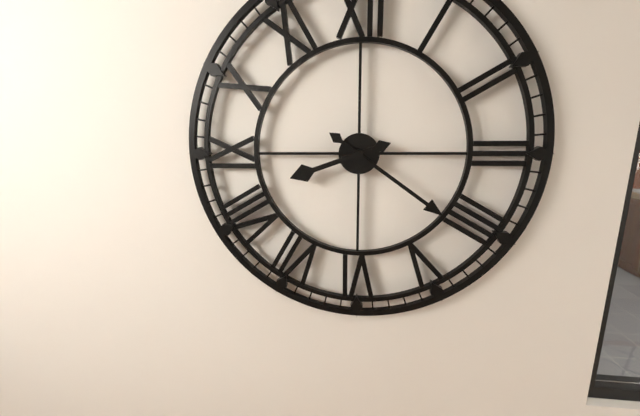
8 h 21 min
